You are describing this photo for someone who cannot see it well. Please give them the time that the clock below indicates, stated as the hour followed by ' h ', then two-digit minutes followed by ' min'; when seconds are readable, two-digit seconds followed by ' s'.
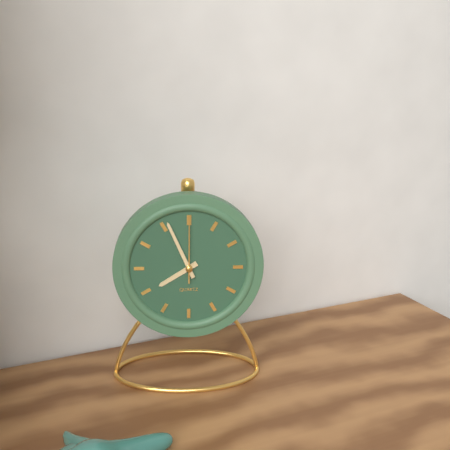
7 h 56 min 00 s
